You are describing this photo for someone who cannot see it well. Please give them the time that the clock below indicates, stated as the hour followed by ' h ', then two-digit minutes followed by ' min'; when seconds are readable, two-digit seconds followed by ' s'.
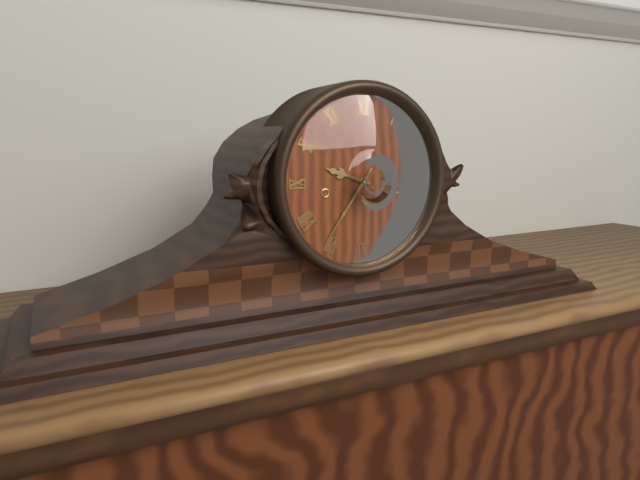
9 h 36 min
